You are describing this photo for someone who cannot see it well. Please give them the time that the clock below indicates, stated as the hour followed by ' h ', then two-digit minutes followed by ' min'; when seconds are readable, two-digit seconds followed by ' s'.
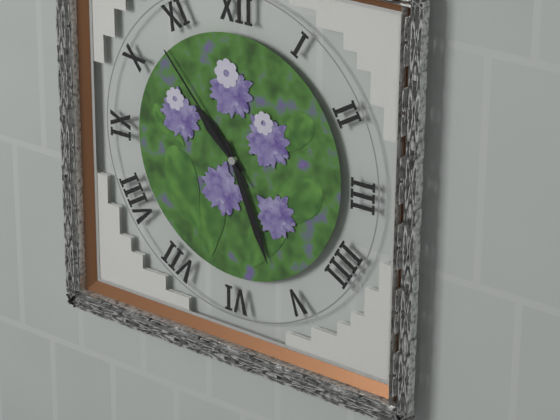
10 h 26 min 53 s
